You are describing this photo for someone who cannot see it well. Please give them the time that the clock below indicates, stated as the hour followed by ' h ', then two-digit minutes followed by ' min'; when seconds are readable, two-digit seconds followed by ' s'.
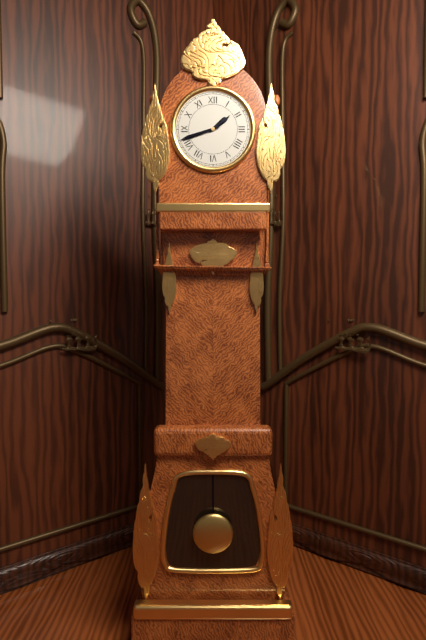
1 h 42 min
